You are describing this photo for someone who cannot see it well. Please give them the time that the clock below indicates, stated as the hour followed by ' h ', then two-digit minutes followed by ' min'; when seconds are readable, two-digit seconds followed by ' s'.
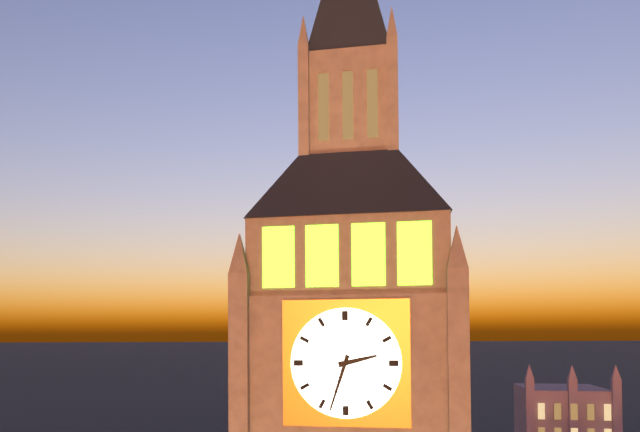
2 h 33 min
